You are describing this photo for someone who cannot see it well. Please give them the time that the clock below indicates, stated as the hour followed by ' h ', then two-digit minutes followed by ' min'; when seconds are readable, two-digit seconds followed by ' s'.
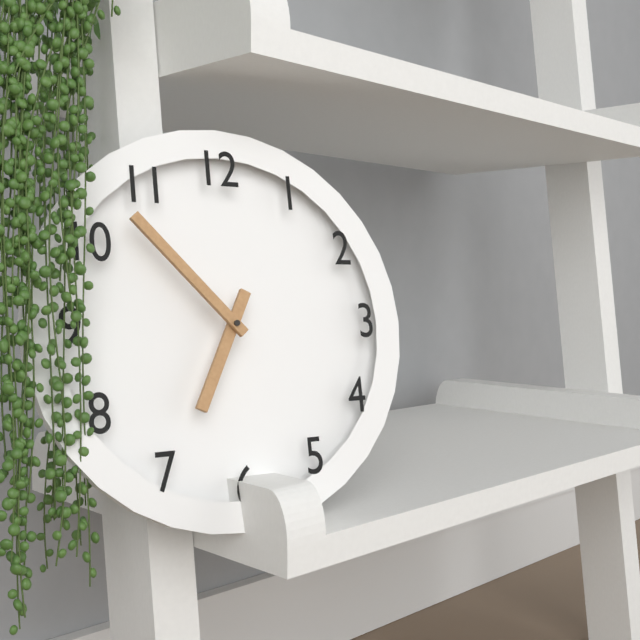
6 h 53 min
